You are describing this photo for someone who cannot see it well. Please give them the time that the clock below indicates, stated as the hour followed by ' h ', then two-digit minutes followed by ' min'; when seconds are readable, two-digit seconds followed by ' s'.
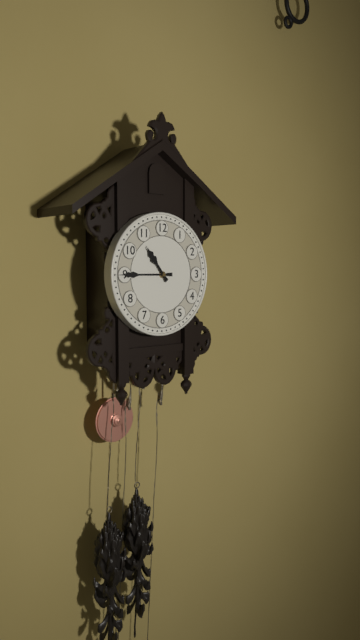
10 h 45 min
